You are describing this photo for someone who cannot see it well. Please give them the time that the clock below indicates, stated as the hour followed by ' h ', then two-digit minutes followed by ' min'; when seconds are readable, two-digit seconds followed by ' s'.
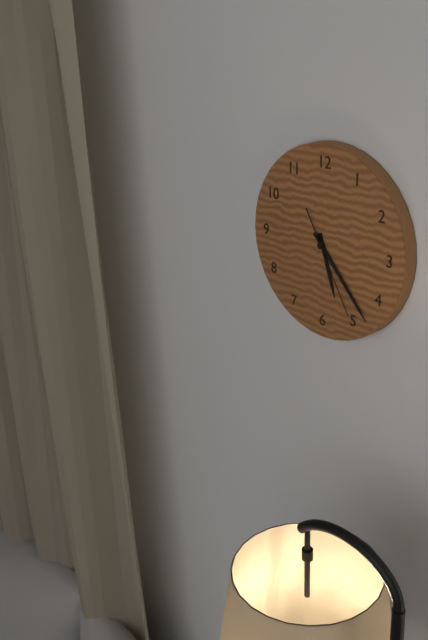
5 h 23 min 25 s
